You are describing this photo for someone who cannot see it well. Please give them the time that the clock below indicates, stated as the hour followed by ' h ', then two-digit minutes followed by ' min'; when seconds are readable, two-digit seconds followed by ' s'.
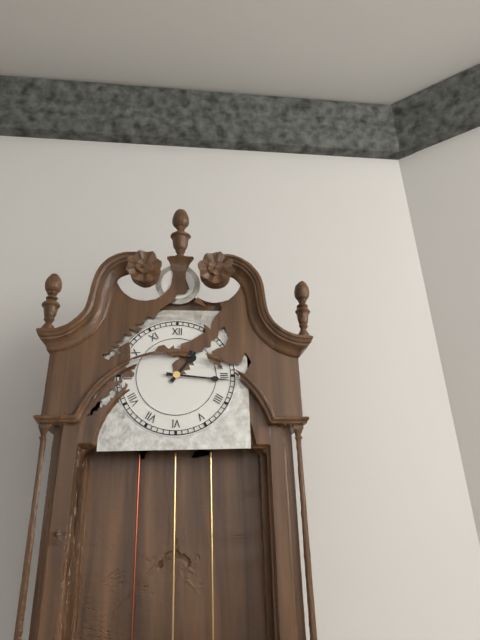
1 h 16 min
